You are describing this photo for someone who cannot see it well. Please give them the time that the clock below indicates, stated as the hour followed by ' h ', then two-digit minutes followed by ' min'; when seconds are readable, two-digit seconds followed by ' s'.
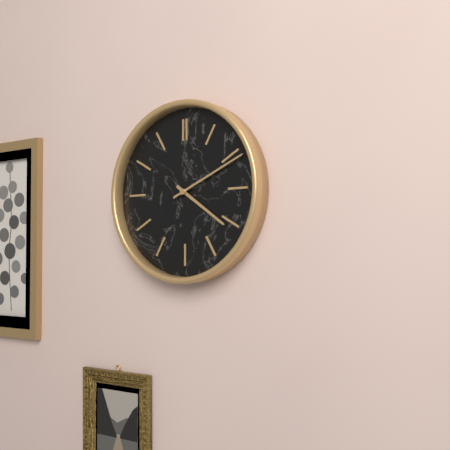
4 h 11 min
